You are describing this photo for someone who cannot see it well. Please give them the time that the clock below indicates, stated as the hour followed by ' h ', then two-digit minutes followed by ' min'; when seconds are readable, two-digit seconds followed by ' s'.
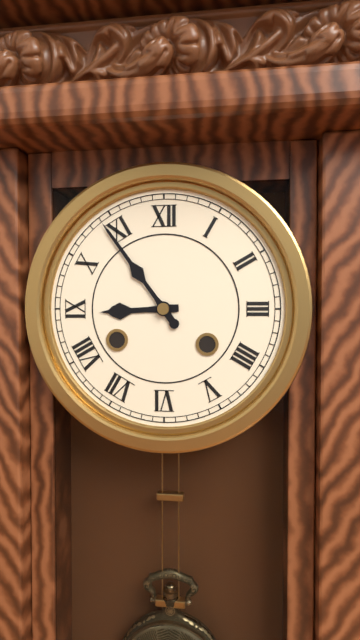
8 h 54 min
